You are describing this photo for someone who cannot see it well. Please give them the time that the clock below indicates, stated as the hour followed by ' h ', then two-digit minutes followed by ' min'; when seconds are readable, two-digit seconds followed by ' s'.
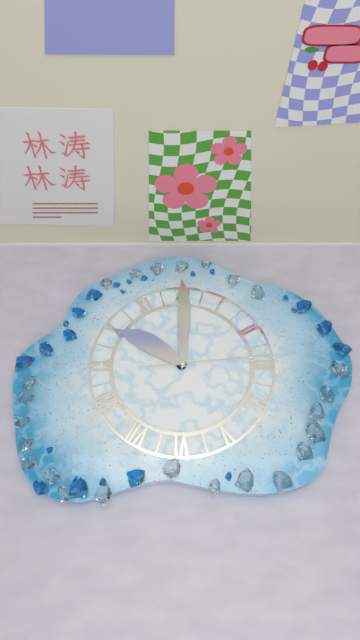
10 h 00 min 14 s
